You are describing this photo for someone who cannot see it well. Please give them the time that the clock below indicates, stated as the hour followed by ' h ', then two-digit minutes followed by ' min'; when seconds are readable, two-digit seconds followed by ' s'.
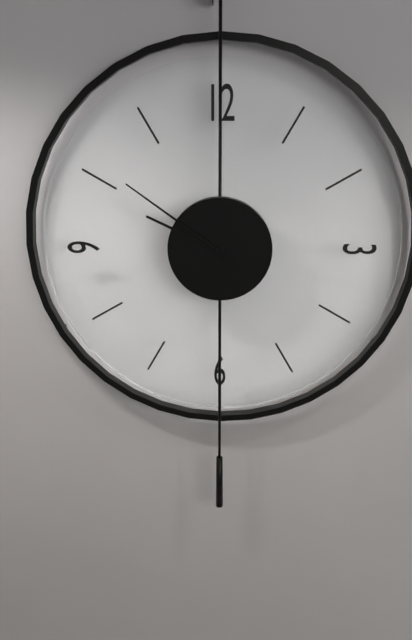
9 h 51 min
